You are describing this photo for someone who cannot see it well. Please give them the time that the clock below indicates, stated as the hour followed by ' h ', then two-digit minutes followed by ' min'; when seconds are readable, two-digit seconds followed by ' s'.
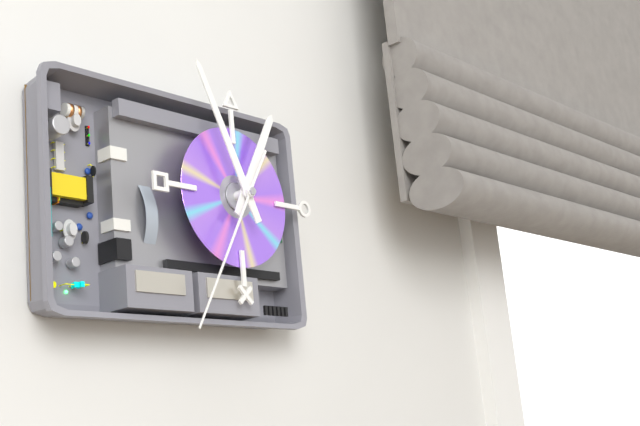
12 h 56 min 35 s
